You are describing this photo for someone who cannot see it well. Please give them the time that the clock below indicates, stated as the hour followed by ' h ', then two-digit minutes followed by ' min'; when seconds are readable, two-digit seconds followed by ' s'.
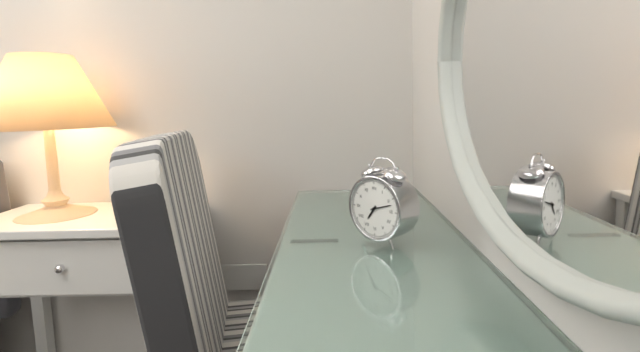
7 h 12 min
